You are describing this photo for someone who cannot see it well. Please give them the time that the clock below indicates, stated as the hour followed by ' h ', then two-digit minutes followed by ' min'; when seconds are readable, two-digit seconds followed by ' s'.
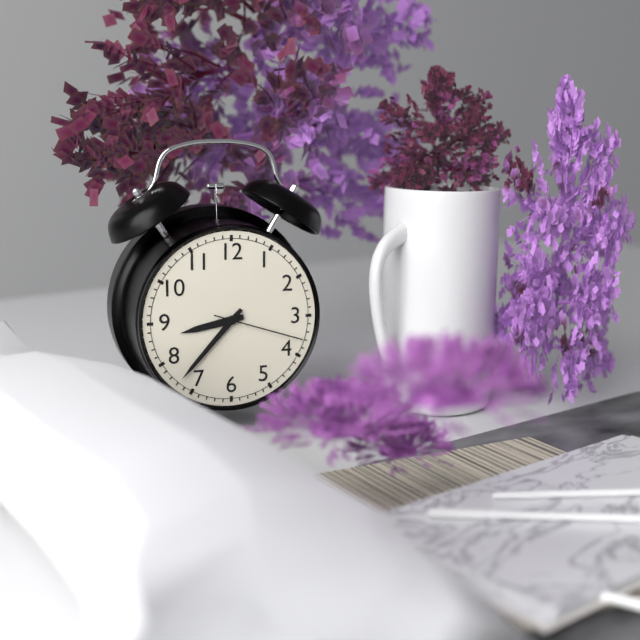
8 h 37 min 18 s
